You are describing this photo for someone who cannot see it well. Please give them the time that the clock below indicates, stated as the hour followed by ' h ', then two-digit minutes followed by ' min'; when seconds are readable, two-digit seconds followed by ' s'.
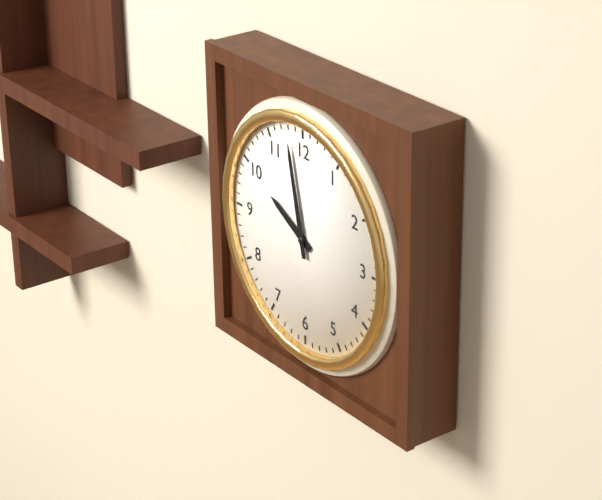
9 h 58 min
